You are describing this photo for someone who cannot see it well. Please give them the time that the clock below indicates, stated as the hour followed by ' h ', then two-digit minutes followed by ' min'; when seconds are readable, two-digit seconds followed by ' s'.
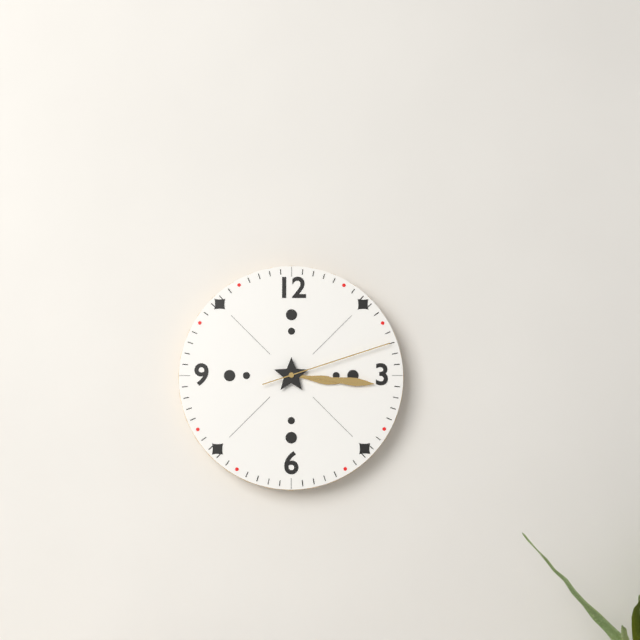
3 h 16 min 12 s
